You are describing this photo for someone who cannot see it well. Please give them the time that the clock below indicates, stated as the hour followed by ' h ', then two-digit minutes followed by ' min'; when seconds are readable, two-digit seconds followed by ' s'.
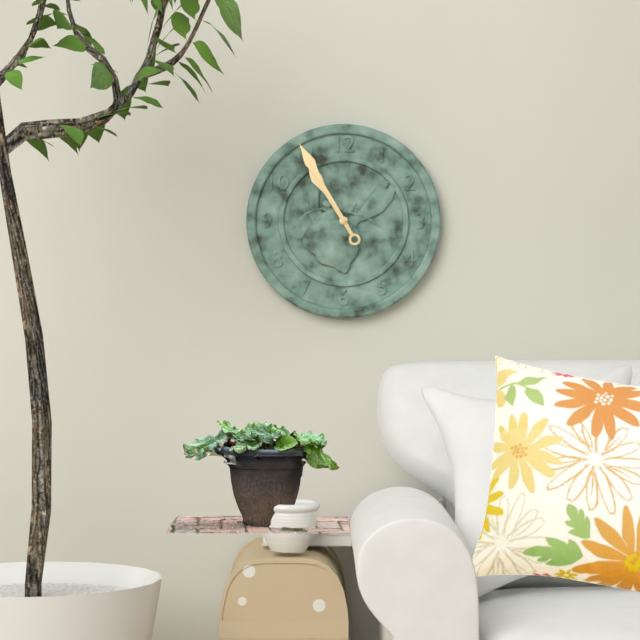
10 h 55 min
